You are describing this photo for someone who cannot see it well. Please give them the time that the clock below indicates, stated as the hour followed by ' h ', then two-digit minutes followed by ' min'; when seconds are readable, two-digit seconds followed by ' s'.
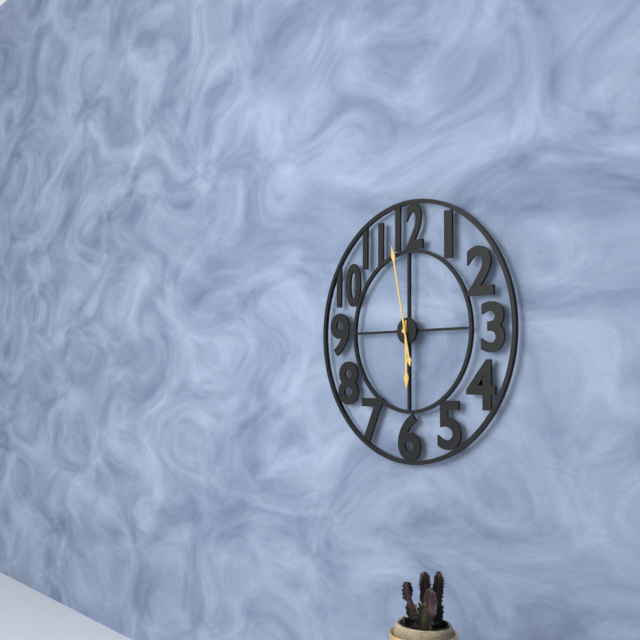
5 h 58 min
